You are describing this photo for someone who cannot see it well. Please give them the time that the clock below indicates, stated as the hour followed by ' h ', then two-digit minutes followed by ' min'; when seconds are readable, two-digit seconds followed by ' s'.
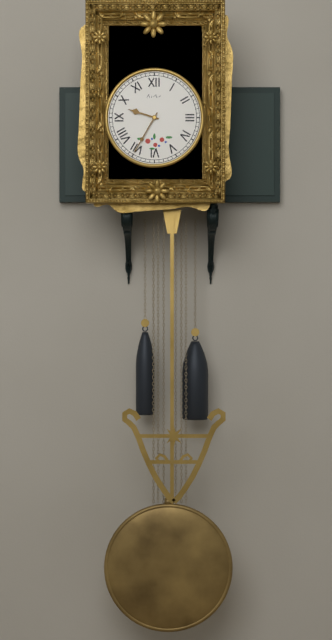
9 h 35 min
